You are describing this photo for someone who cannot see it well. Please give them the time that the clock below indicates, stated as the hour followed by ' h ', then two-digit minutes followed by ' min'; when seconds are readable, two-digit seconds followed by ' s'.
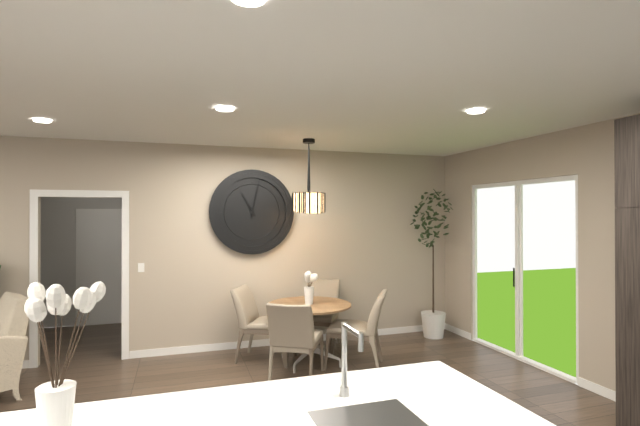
11 h 02 min
